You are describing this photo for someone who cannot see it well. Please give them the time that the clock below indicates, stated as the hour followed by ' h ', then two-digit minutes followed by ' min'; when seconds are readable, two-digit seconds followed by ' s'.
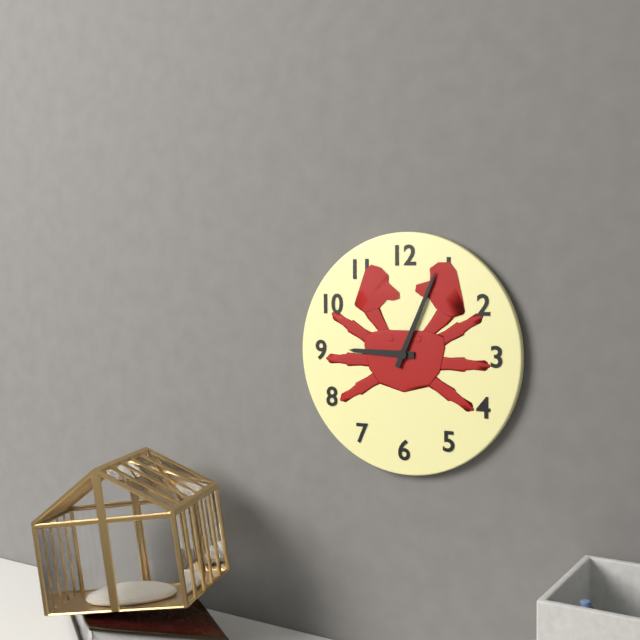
9 h 04 min
